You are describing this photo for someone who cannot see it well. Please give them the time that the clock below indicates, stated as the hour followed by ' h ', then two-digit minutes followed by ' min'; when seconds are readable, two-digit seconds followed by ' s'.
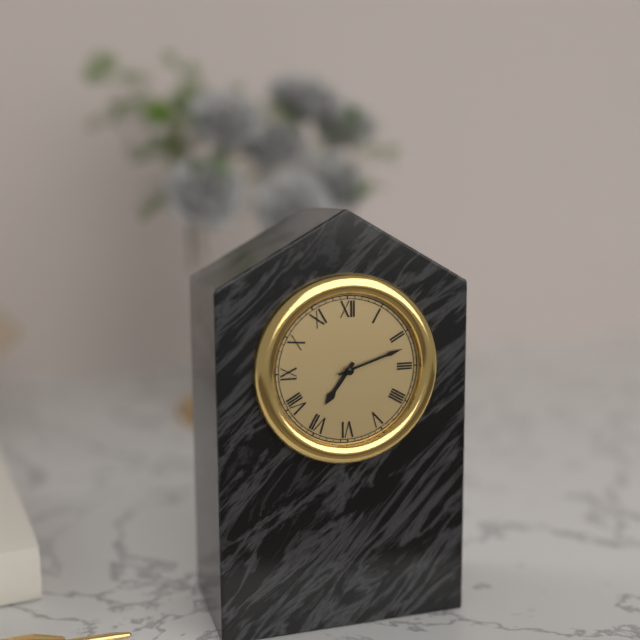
7 h 12 min
